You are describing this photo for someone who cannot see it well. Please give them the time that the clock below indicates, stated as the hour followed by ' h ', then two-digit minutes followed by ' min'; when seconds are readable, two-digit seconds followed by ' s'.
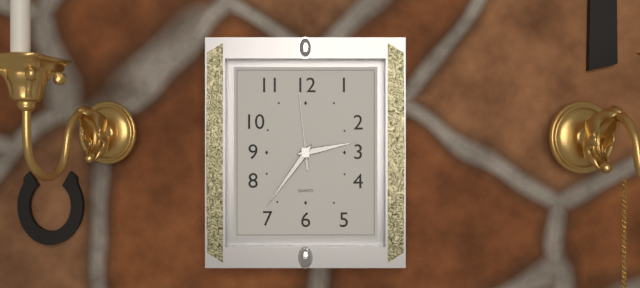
2 h 36 min 59 s
